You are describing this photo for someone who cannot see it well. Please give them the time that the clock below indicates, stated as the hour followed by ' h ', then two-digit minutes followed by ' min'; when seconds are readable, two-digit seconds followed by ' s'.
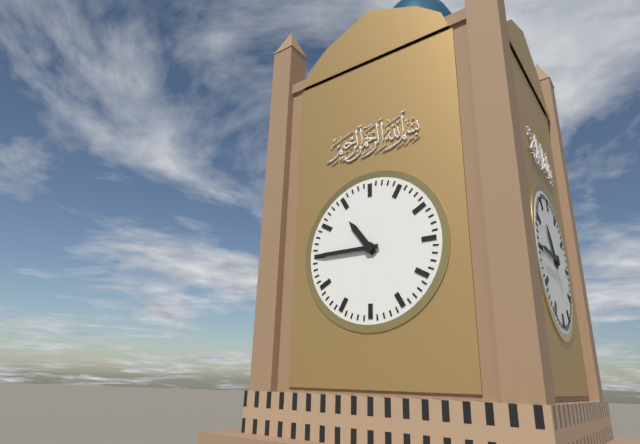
10 h 45 min
